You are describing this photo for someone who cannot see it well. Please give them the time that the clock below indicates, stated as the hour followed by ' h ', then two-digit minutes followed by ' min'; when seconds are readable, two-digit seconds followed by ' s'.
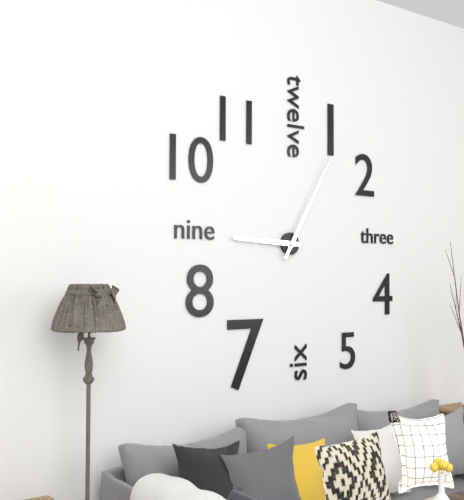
9 h 05 min
